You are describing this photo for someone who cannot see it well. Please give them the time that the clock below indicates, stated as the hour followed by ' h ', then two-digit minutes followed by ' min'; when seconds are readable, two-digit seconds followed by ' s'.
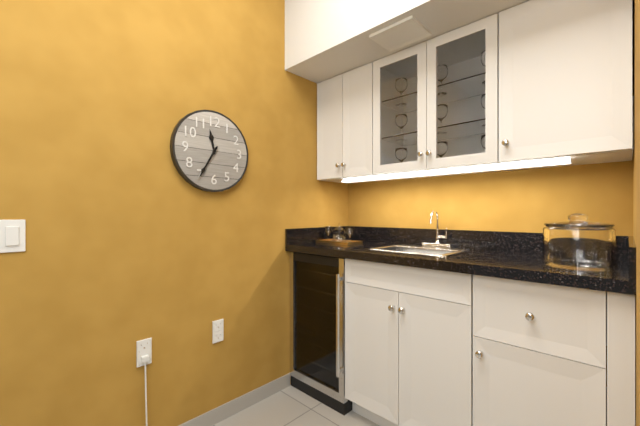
11 h 35 min
